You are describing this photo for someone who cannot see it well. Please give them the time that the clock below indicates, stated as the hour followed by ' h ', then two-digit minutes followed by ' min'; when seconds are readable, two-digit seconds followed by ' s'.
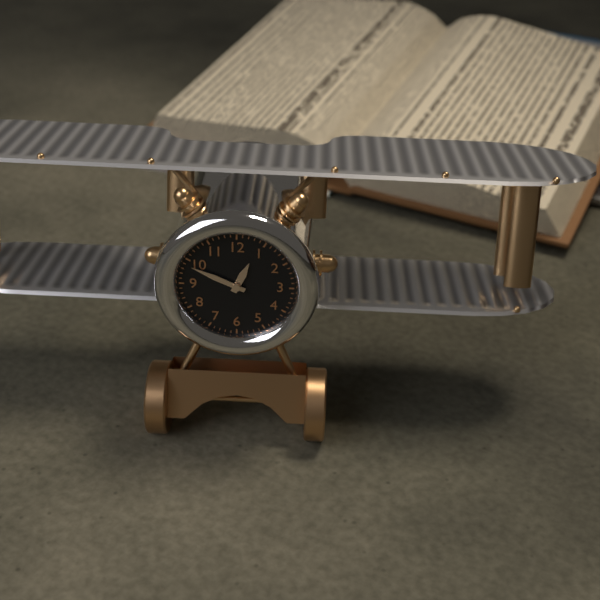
12 h 49 min
